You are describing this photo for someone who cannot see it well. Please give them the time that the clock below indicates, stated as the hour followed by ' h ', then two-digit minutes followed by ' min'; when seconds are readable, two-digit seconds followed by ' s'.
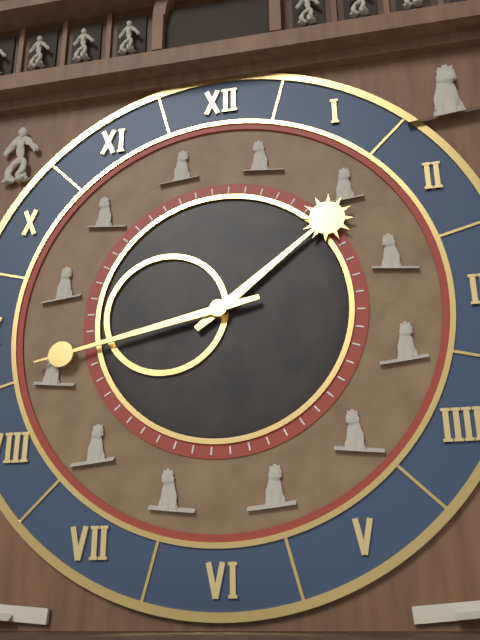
1 h 43 min
